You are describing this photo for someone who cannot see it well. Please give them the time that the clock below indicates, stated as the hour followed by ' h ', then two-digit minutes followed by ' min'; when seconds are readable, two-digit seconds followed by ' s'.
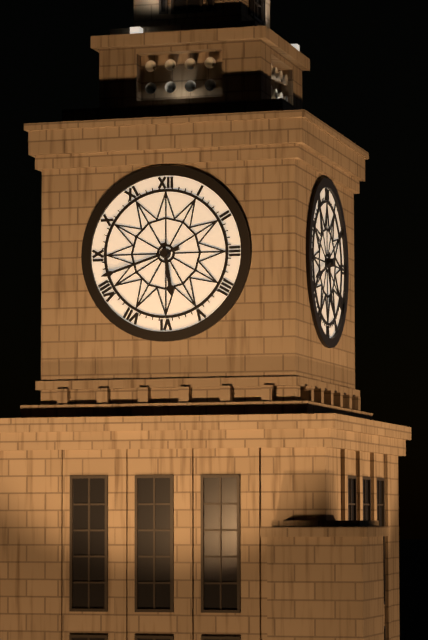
5 h 42 min
